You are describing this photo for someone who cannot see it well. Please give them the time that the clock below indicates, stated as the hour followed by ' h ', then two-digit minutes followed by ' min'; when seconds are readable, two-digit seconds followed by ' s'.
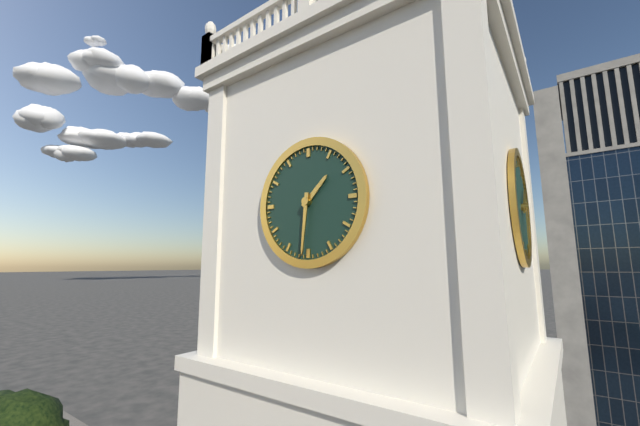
1 h 31 min
